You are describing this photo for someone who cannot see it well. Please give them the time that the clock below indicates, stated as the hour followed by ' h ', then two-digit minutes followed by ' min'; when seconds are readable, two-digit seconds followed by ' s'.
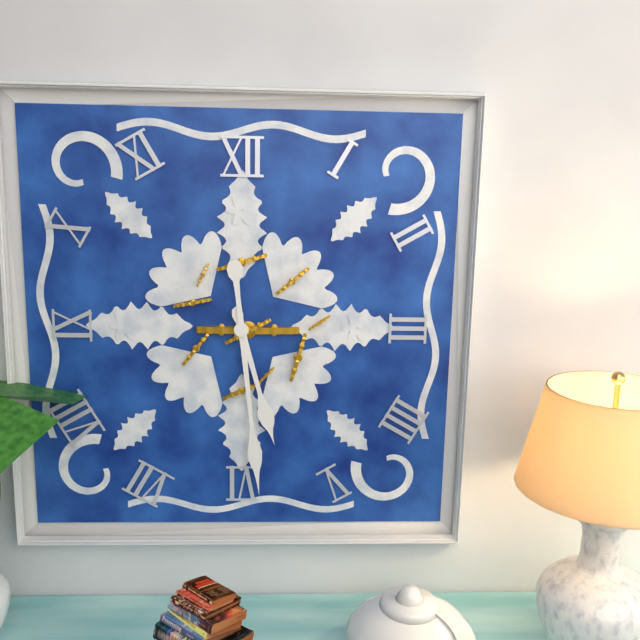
5 h 29 min
